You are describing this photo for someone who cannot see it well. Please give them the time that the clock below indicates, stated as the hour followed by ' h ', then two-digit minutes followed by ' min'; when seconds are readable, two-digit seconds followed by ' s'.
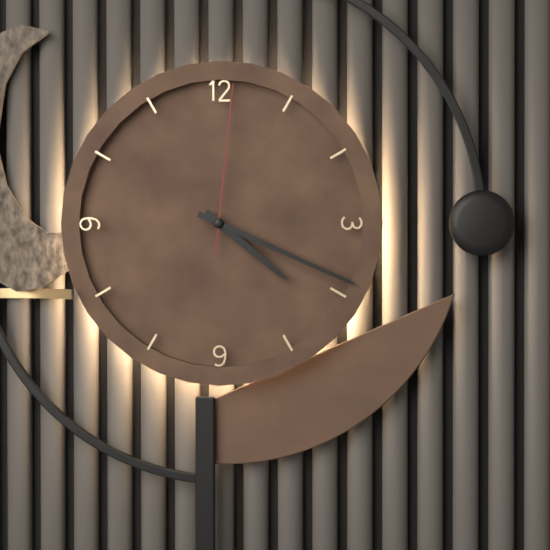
4 h 19 min 01 s
